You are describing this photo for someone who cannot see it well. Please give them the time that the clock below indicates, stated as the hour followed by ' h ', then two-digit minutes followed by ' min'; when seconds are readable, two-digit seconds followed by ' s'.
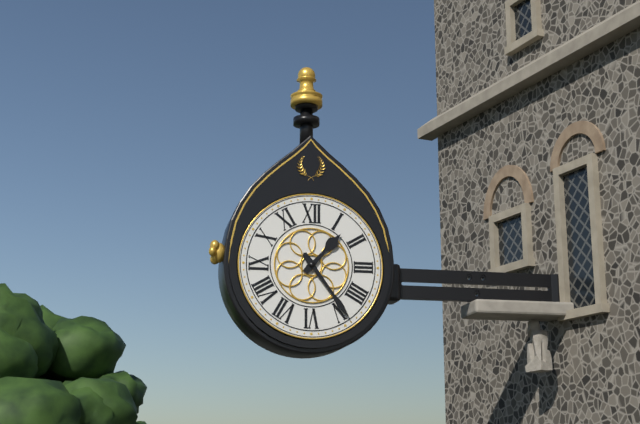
1 h 24 min
